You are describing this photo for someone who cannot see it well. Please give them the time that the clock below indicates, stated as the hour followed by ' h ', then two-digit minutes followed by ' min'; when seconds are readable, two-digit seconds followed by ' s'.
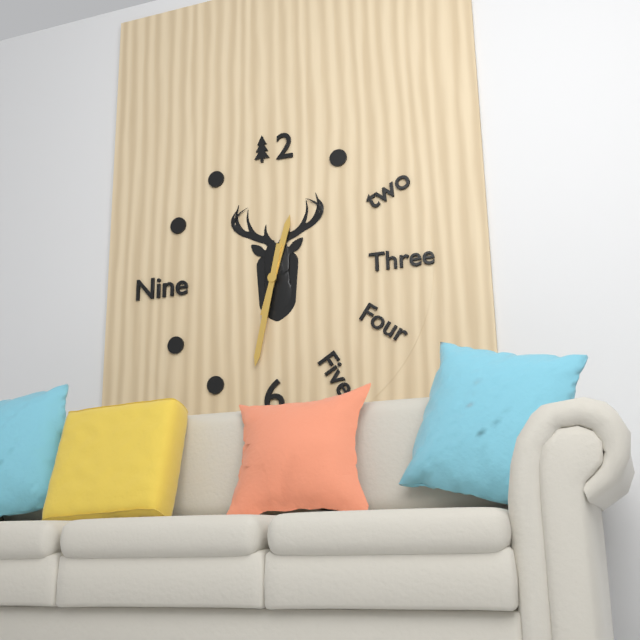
12 h 32 min
